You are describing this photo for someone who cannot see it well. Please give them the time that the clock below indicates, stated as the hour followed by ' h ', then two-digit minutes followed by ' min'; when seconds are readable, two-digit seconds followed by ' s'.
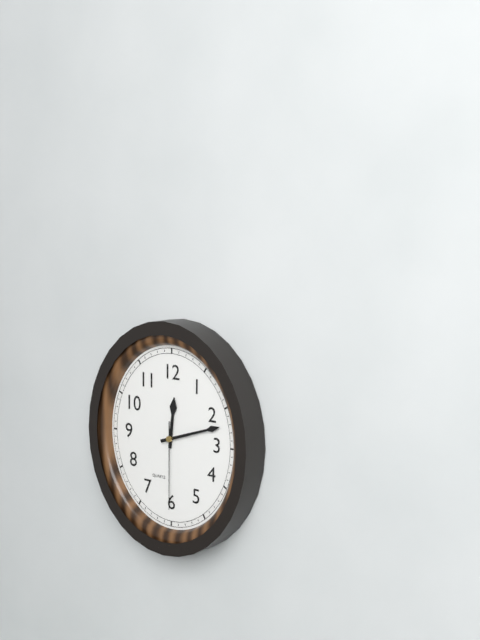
12 h 12 min 30 s
